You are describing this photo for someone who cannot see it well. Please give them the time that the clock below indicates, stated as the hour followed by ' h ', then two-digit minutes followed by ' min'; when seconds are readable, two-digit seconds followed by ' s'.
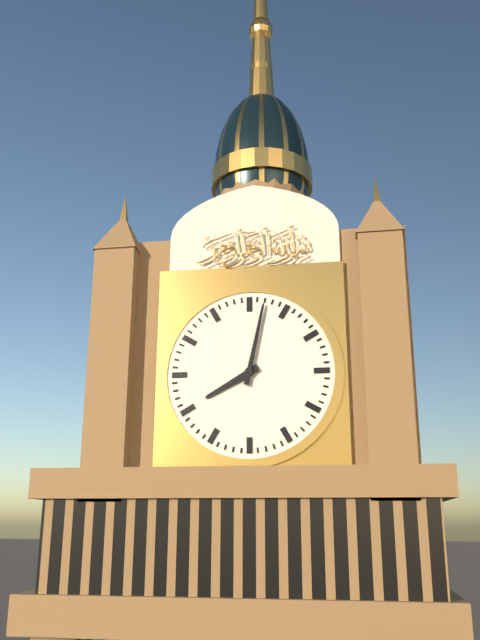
8 h 02 min
